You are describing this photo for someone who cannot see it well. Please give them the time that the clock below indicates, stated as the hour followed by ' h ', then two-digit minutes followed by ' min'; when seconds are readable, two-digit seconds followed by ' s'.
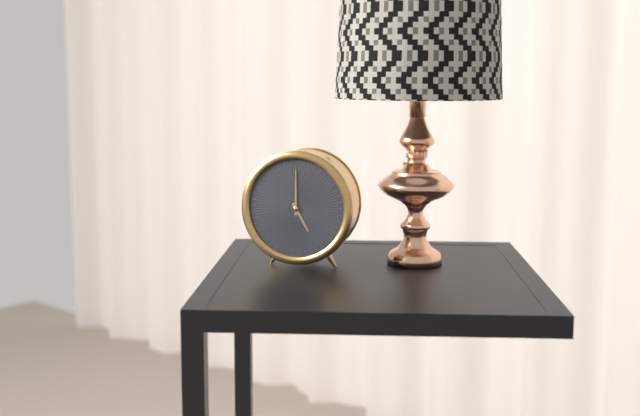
5 h 00 min
